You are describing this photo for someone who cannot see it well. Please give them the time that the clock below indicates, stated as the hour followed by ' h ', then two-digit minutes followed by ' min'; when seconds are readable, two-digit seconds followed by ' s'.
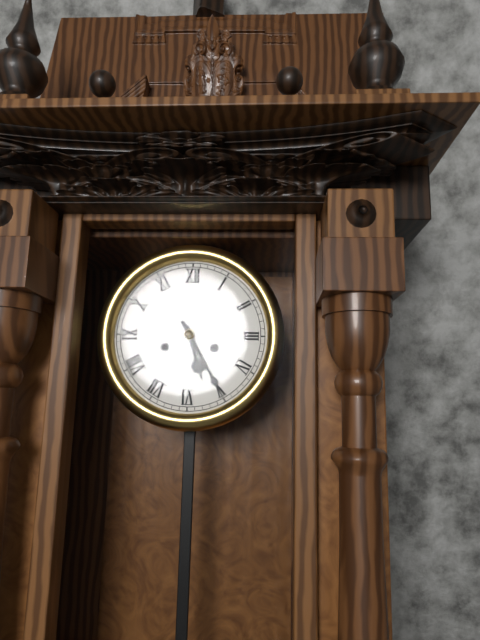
5 h 25 min
